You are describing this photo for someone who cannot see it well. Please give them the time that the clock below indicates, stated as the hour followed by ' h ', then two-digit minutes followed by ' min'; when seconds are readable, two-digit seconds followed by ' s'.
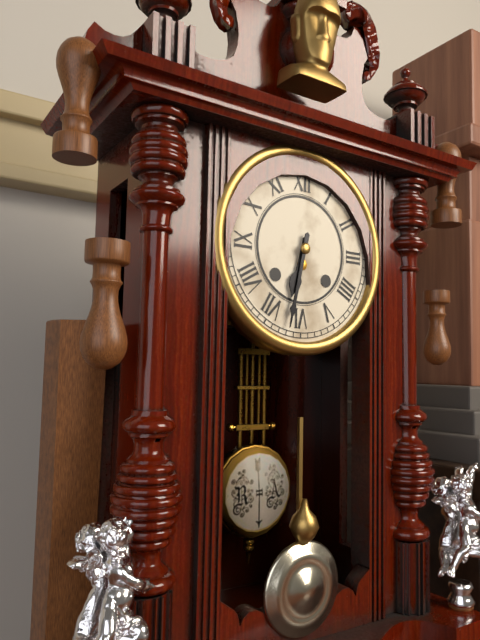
6 h 32 min
